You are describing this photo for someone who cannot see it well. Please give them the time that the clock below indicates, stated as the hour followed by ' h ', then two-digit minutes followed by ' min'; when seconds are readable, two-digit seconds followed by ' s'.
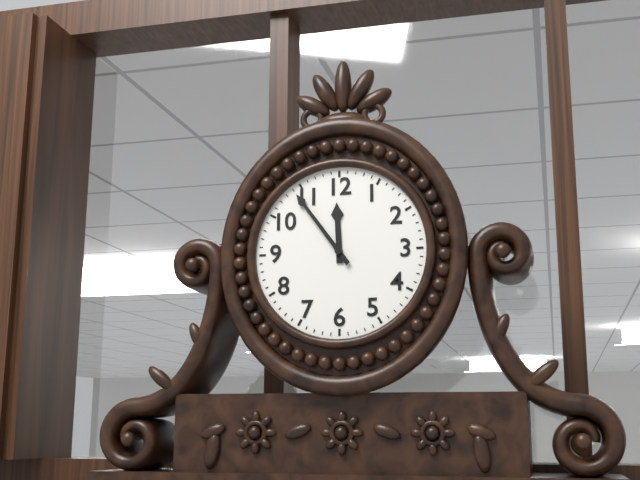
11 h 54 min
